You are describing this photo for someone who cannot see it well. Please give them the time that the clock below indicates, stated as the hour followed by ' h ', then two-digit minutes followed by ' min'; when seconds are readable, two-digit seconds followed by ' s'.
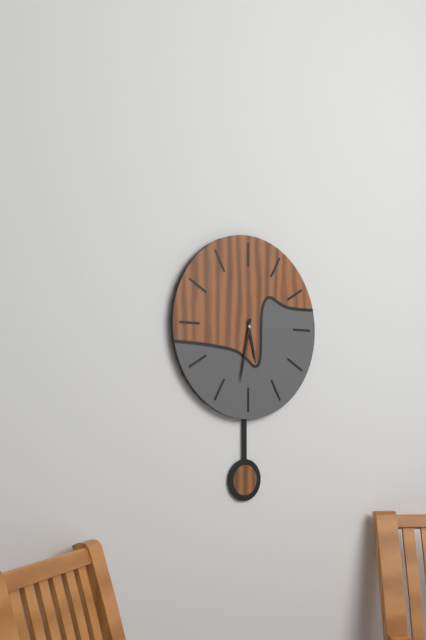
5 h 32 min
